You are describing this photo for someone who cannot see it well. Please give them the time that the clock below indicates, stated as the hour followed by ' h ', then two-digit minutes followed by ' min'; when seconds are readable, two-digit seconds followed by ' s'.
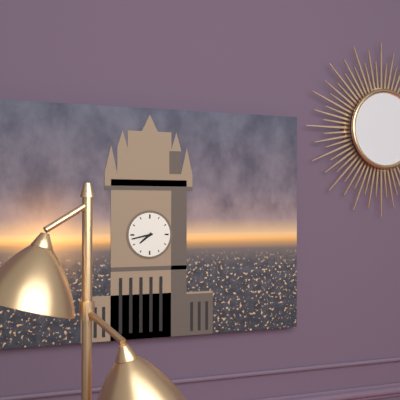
7 h 43 min
